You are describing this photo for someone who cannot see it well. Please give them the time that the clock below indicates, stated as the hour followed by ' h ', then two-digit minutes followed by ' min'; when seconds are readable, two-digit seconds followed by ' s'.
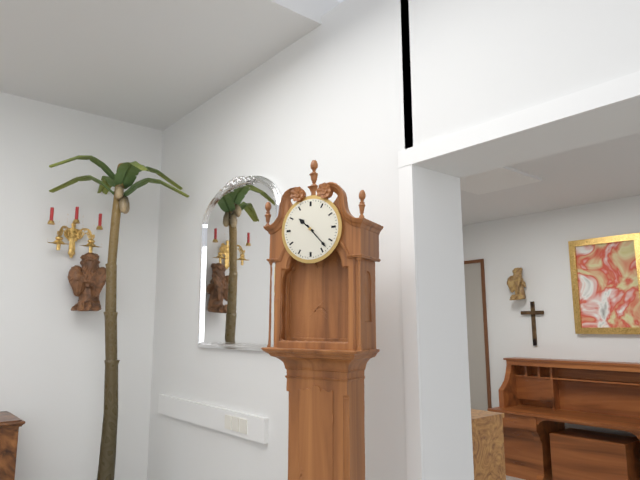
10 h 23 min
